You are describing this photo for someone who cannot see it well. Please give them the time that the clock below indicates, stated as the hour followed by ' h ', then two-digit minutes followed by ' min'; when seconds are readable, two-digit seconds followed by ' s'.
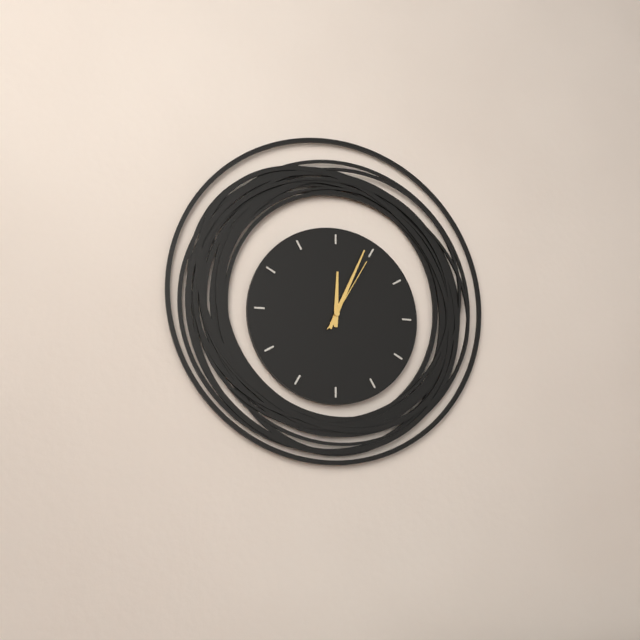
12 h 04 min 05 s
